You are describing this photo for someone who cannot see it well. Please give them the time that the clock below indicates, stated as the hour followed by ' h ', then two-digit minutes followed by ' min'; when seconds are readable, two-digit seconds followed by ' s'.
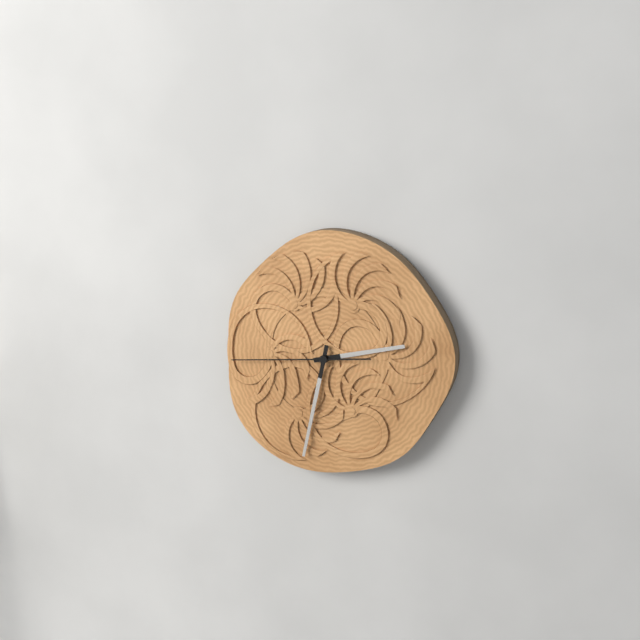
2 h 32 min 44 s
